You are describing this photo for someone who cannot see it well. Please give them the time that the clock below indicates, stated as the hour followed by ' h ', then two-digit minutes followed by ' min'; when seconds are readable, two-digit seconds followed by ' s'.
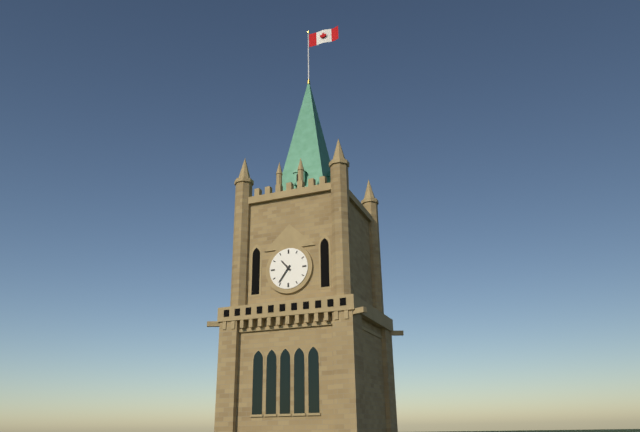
10 h 36 min
